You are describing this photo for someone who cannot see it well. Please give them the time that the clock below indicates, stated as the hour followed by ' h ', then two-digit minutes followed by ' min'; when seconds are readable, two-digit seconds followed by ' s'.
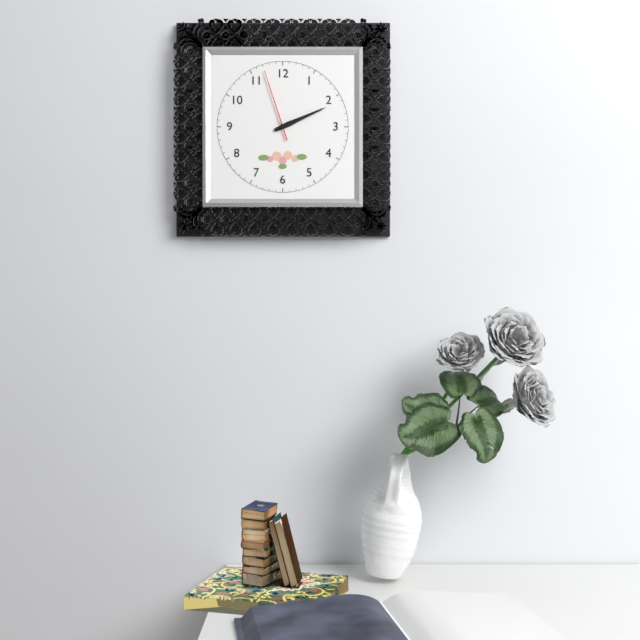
2 h 11 min 57 s
